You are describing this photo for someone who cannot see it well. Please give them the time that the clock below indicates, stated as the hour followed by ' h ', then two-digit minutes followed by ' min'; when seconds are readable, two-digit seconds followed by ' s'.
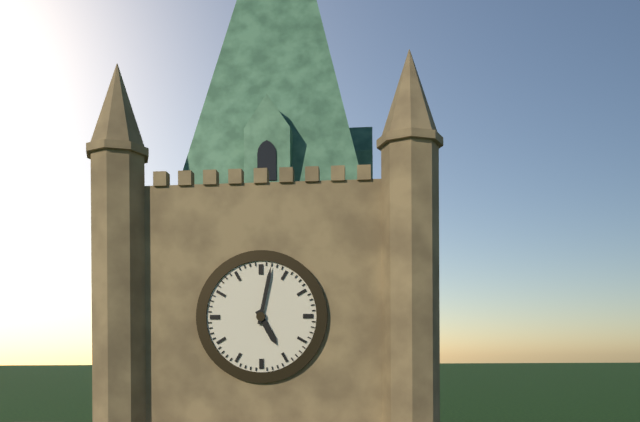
5 h 02 min
